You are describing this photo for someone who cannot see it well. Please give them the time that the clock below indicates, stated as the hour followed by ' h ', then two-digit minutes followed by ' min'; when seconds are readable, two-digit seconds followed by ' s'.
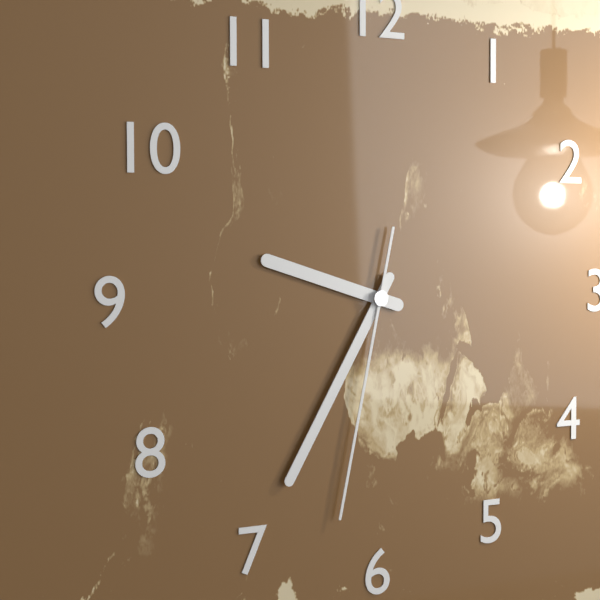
9 h 35 min 32 s
